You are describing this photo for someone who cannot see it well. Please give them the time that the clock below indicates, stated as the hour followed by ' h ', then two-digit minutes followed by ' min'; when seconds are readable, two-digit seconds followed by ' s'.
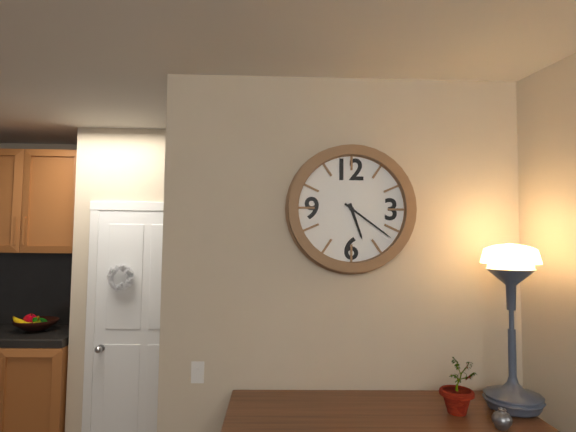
5 h 21 min
